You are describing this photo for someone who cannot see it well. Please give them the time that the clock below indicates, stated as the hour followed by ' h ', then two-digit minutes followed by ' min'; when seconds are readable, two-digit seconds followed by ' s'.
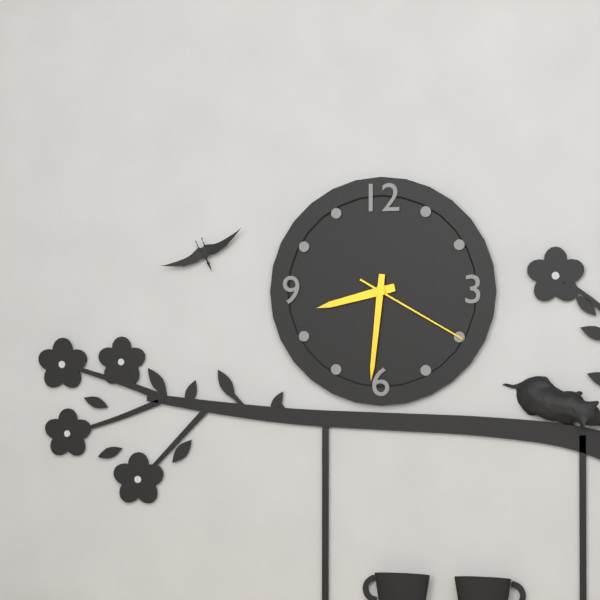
8 h 31 min 20 s
